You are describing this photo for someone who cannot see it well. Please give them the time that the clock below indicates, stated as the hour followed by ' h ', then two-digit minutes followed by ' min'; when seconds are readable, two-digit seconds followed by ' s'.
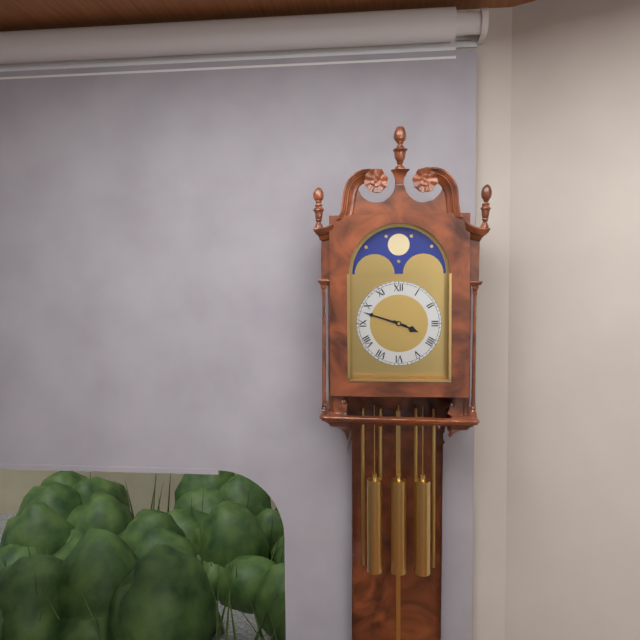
3 h 48 min
